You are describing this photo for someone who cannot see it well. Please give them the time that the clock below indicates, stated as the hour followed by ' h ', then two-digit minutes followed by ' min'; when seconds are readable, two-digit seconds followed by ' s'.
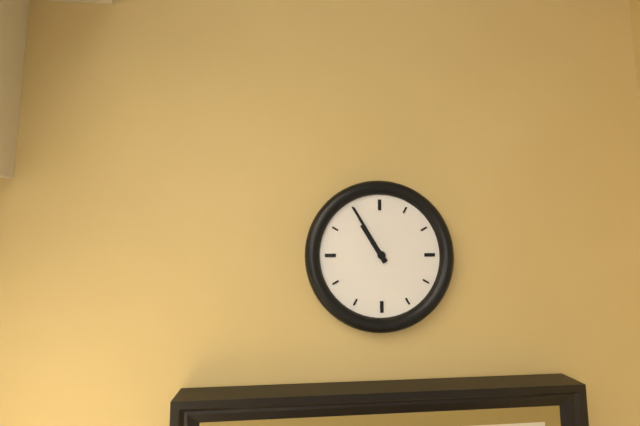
10 h 55 min
